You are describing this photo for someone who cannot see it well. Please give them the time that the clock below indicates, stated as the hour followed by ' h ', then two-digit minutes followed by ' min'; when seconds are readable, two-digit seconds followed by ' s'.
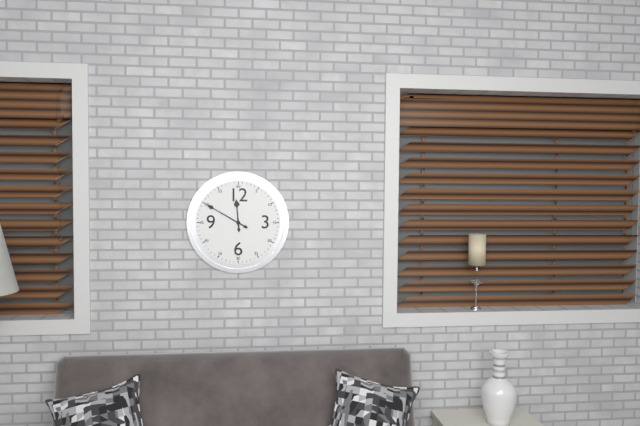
11 h 50 min
